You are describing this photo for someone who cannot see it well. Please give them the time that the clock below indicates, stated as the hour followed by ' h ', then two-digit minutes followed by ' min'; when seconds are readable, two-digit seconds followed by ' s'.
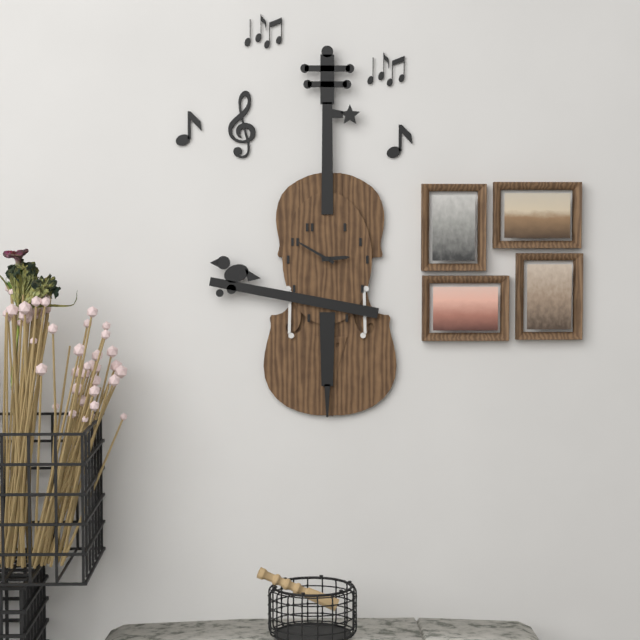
2 h 50 min
